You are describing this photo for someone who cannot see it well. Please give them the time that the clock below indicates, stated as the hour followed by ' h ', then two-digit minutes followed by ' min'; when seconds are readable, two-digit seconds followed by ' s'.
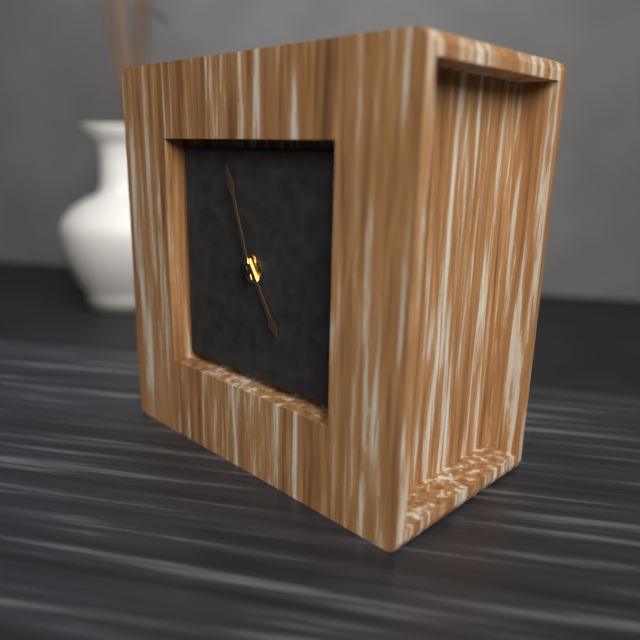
4 h 57 min
